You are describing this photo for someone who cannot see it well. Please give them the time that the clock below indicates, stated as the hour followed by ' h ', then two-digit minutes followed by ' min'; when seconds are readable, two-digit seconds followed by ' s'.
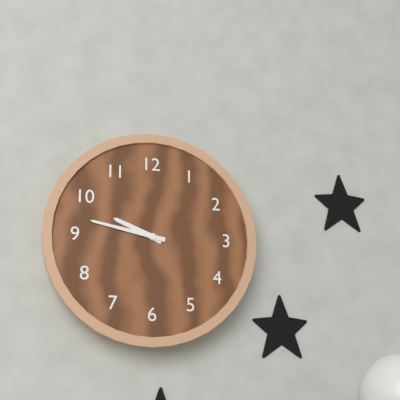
9 h 47 min
